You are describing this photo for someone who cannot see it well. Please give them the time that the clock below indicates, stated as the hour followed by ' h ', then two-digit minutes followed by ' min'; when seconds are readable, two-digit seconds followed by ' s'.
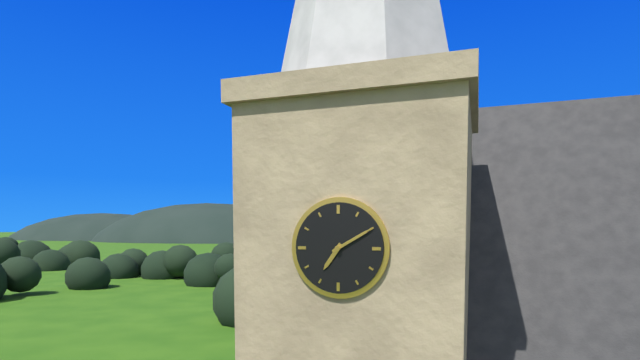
7 h 10 min
